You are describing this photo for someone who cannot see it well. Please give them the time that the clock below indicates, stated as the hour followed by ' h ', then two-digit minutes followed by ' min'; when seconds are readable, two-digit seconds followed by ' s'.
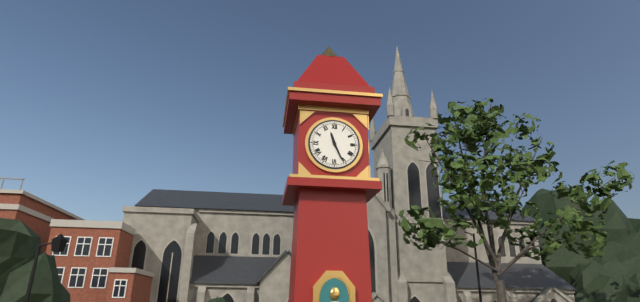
11 h 26 min
